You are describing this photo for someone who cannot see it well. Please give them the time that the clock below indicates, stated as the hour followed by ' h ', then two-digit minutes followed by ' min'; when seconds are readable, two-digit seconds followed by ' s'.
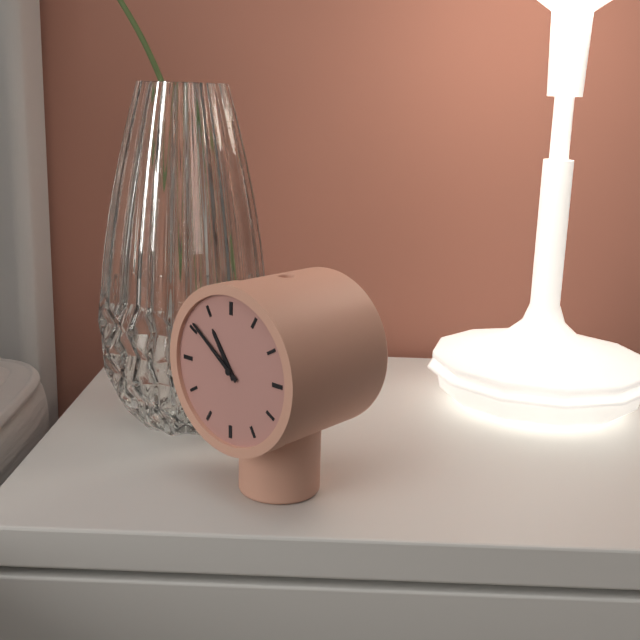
10 h 51 min
